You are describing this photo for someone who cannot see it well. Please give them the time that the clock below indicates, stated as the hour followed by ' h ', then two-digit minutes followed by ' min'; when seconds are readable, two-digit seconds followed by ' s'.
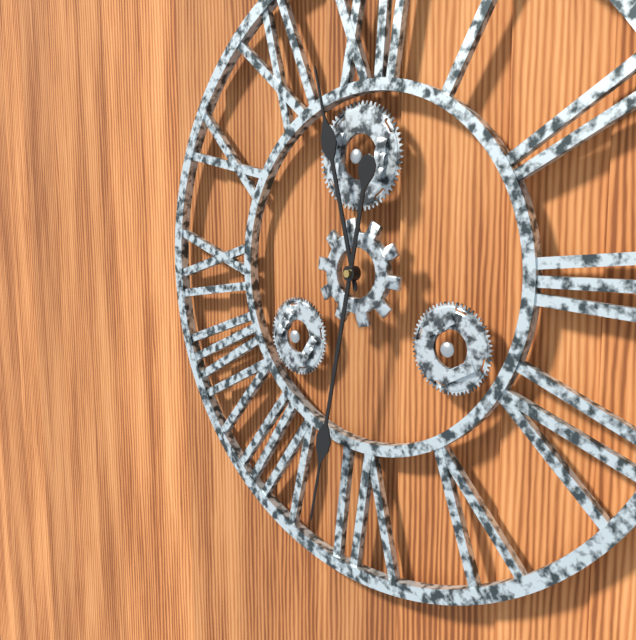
11 h 32 min
